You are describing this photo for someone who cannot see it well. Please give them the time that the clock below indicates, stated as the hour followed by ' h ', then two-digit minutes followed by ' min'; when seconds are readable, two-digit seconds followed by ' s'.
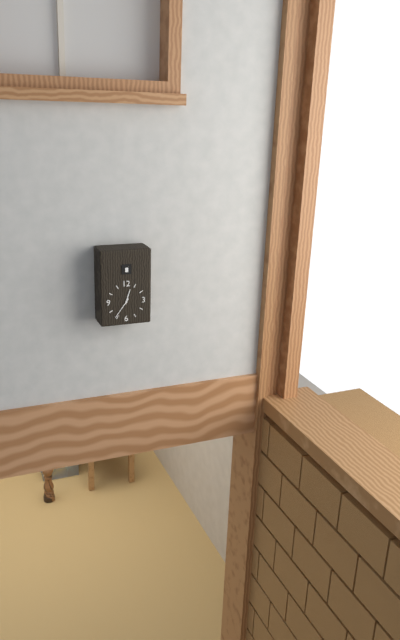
12 h 36 min
